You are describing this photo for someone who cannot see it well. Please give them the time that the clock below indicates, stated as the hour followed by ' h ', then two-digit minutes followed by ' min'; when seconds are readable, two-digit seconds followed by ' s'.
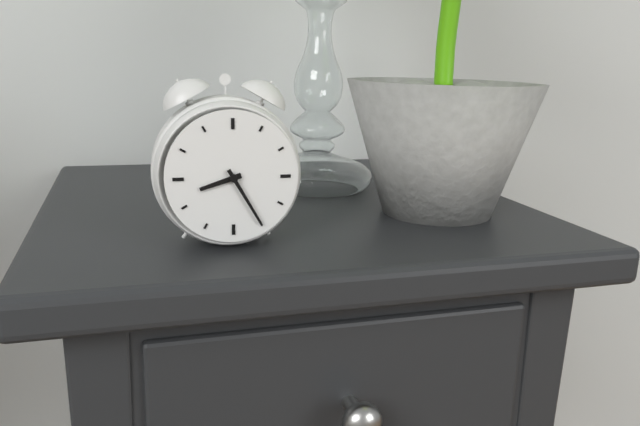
8 h 25 min
